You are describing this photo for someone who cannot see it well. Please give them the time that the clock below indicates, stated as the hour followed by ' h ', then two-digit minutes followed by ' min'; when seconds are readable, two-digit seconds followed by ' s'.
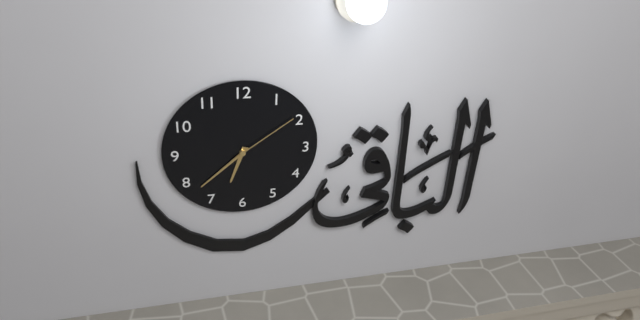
6 h 38 min 09 s
